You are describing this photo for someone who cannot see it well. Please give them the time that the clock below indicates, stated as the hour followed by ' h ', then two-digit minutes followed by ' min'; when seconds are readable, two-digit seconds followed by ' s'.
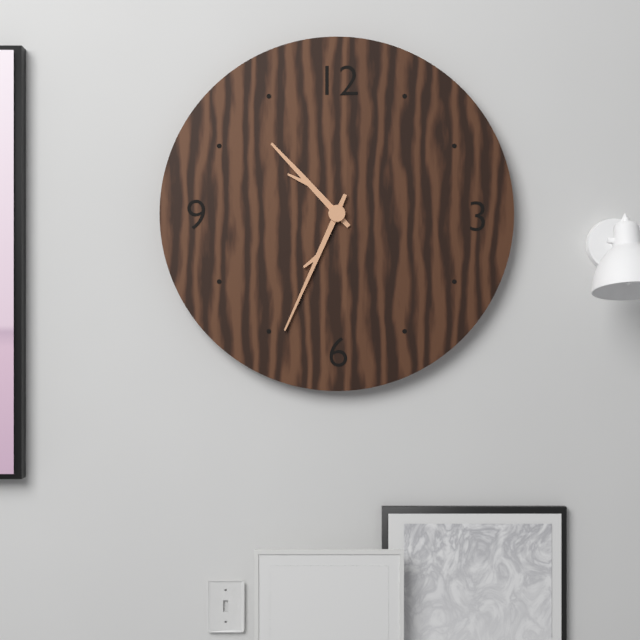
10 h 34 min
